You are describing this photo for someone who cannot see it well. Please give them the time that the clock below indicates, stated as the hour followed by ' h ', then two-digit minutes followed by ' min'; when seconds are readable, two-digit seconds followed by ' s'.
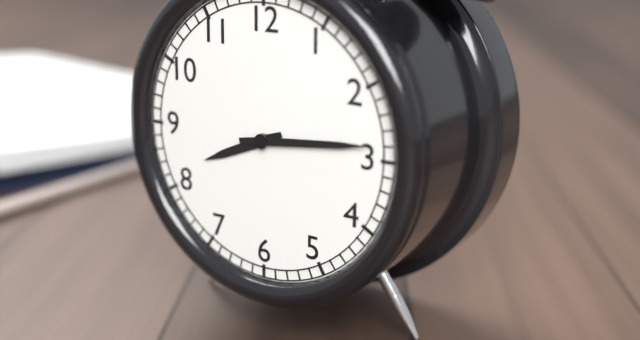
8 h 14 min
